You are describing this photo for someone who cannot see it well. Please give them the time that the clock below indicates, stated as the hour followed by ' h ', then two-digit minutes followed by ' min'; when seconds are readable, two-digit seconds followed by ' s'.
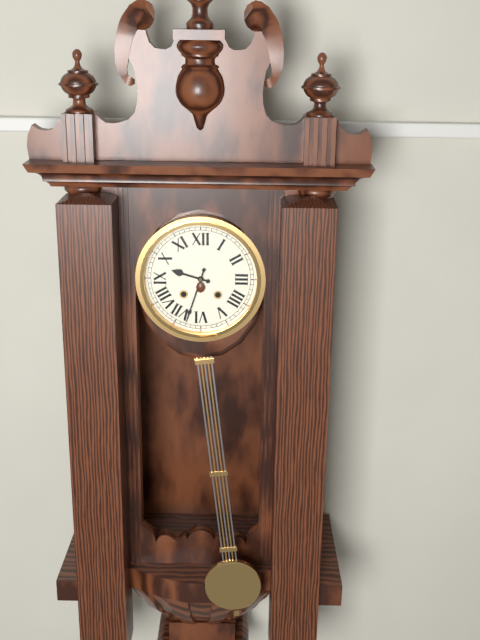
9 h 33 min
